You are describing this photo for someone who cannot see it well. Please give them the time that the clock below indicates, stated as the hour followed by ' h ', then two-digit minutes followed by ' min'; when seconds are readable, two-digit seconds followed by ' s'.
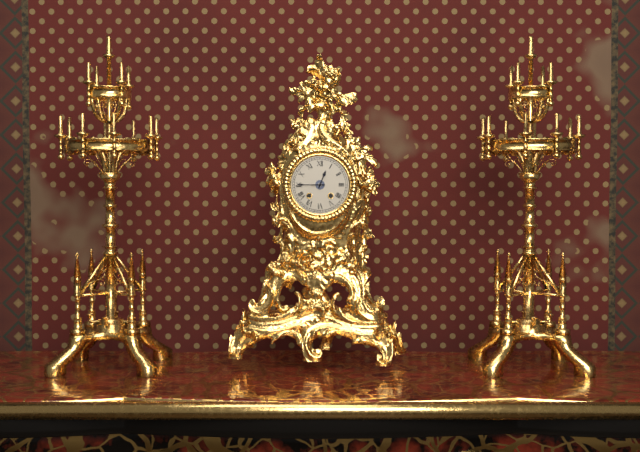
12 h 45 min
